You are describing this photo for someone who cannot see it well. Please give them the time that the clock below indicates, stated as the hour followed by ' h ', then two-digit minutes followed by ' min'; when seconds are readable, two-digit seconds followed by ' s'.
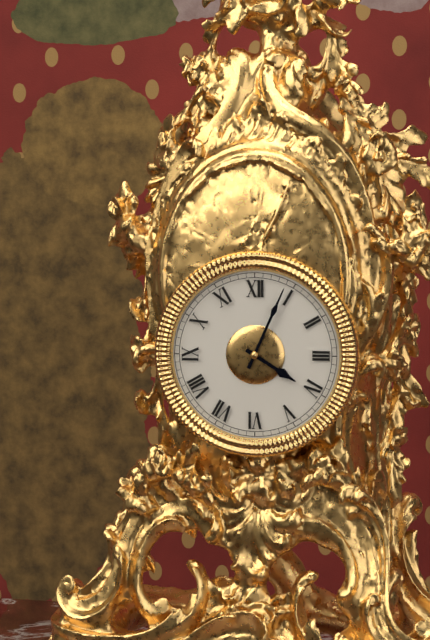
4 h 04 min
